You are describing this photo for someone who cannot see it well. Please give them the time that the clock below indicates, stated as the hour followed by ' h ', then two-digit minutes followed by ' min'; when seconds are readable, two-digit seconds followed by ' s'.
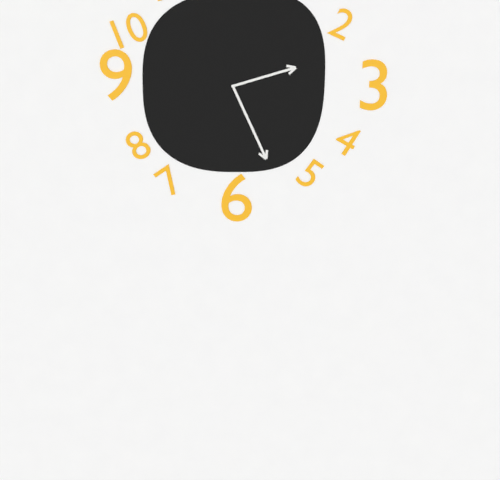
2 h 26 min
